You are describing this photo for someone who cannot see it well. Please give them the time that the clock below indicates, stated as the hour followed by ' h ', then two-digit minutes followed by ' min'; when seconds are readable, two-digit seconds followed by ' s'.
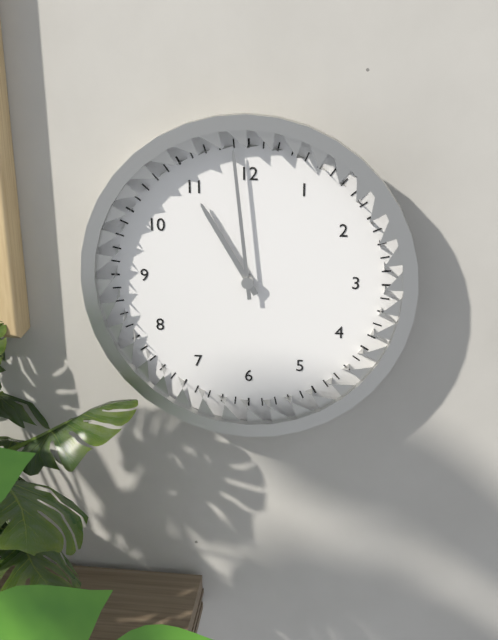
10 h 59 min
